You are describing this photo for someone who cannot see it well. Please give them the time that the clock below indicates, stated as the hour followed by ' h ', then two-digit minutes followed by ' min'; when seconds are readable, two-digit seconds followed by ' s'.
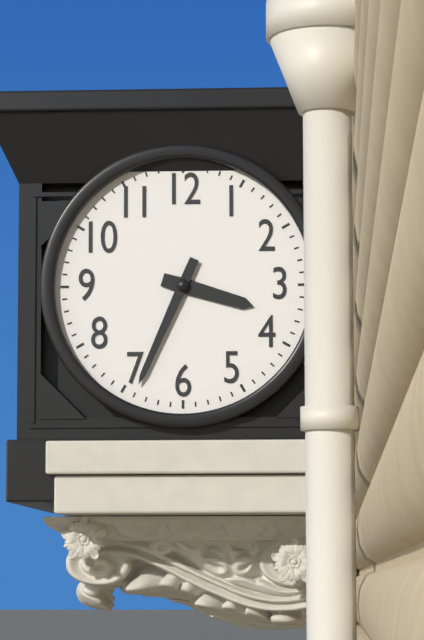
3 h 34 min
